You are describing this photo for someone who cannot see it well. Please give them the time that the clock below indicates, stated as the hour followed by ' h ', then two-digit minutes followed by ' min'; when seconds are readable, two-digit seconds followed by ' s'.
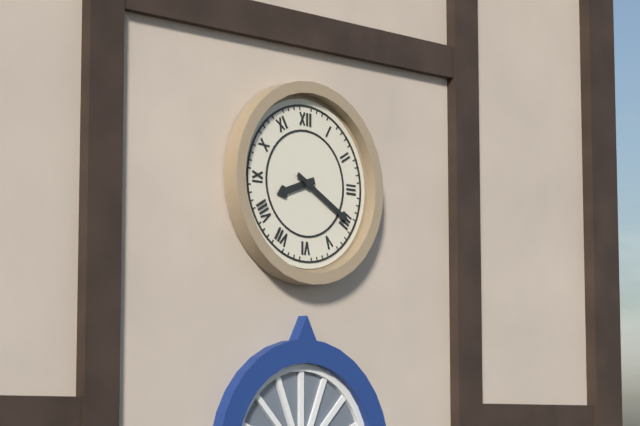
8 h 20 min
